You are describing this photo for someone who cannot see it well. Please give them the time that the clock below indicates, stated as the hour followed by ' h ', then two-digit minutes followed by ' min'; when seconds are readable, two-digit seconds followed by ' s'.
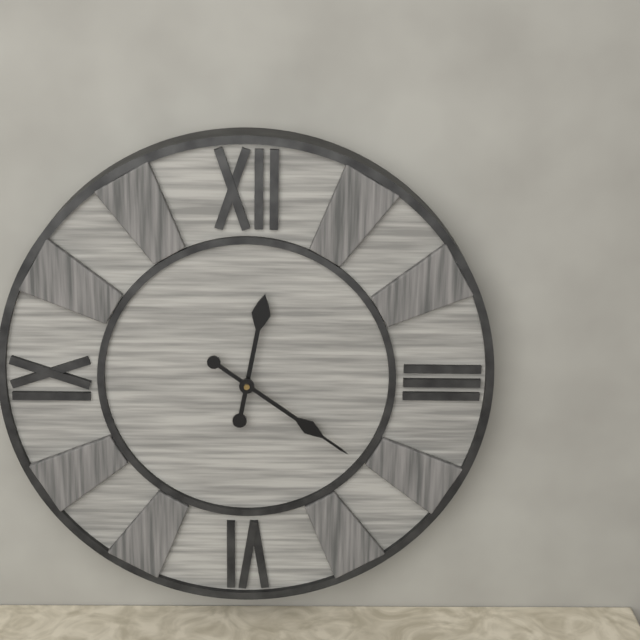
12 h 21 min
